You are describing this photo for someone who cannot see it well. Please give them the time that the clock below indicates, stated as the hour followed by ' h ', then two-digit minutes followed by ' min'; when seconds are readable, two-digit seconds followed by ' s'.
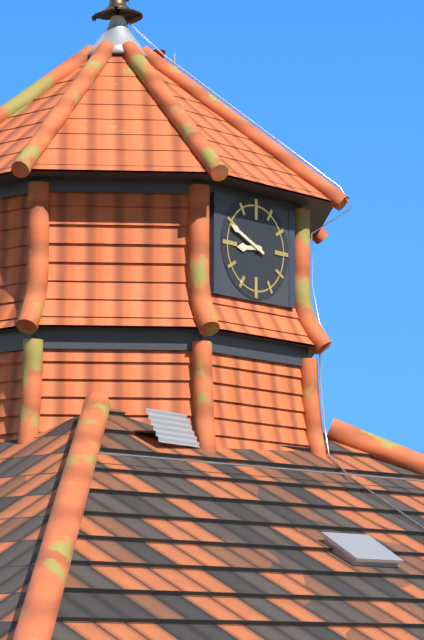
8 h 49 min
